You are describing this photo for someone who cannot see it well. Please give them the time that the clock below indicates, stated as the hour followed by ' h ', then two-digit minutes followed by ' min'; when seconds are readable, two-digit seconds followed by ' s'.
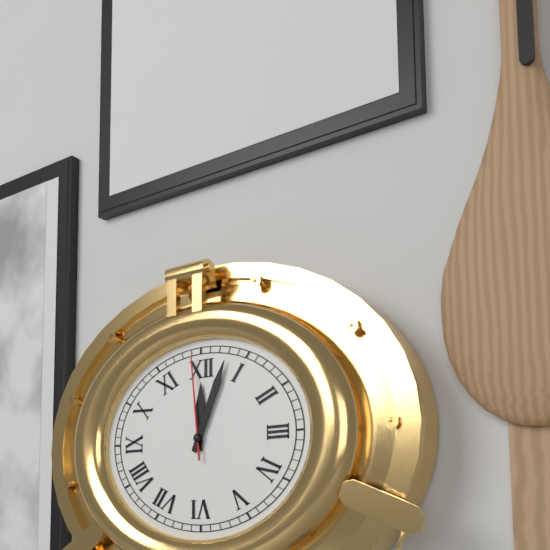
12 h 04 min 59 s
